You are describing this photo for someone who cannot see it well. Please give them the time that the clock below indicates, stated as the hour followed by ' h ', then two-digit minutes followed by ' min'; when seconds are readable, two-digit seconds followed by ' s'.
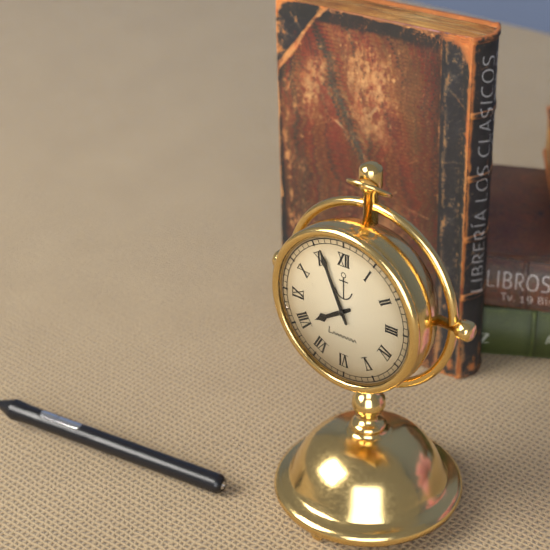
7 h 56 min
